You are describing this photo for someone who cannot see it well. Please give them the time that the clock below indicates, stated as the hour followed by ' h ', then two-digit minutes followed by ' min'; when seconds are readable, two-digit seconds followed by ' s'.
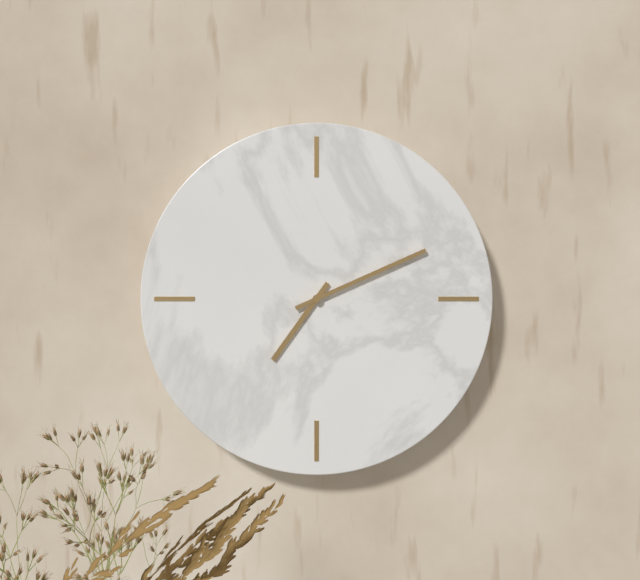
7 h 11 min
